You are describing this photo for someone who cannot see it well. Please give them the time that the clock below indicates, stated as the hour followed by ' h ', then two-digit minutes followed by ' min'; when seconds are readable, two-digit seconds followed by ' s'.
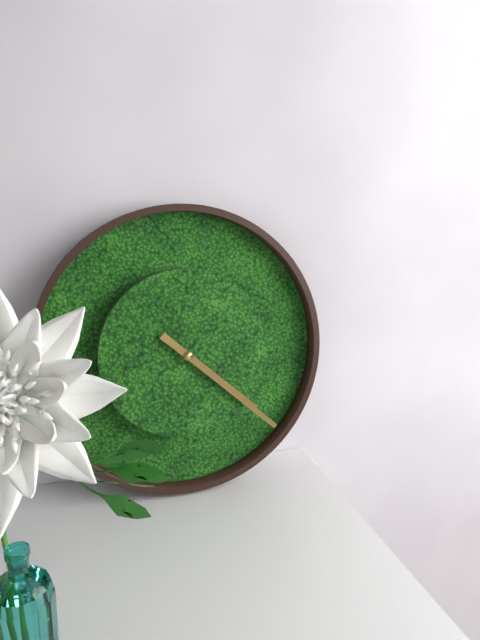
4 h 22 min
